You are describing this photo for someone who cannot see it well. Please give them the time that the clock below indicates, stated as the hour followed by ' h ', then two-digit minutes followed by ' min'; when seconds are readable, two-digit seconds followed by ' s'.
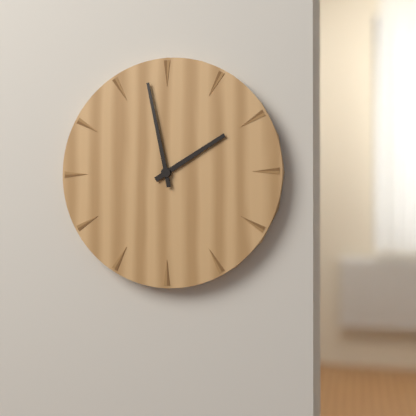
1 h 58 min
